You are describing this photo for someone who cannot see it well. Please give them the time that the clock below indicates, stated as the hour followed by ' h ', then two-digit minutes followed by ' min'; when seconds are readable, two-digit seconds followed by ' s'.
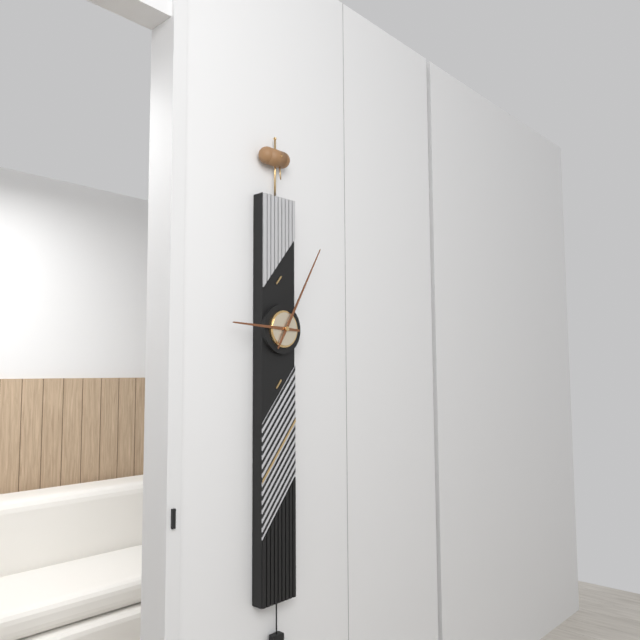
9 h 05 min
